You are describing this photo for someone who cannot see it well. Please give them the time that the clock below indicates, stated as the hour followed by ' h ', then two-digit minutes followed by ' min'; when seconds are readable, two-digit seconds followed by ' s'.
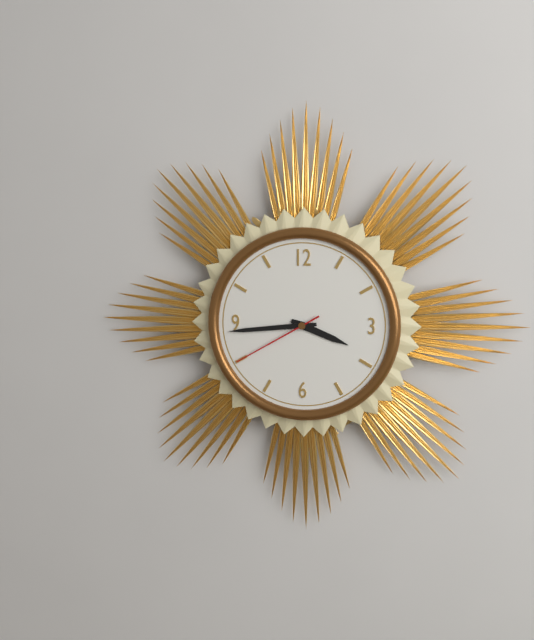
3 h 44 min 40 s
